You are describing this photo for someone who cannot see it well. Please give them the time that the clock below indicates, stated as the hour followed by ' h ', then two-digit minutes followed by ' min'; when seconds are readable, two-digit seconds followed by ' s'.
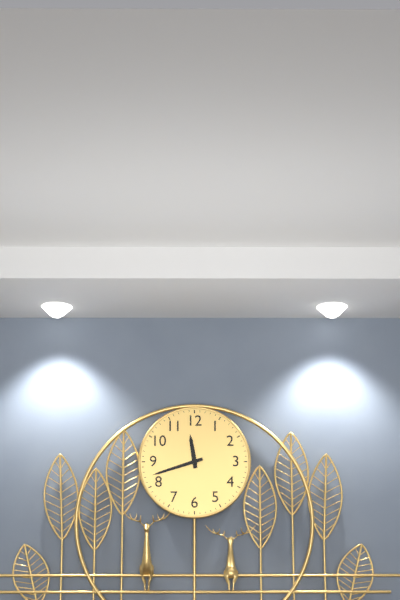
11 h 42 min
